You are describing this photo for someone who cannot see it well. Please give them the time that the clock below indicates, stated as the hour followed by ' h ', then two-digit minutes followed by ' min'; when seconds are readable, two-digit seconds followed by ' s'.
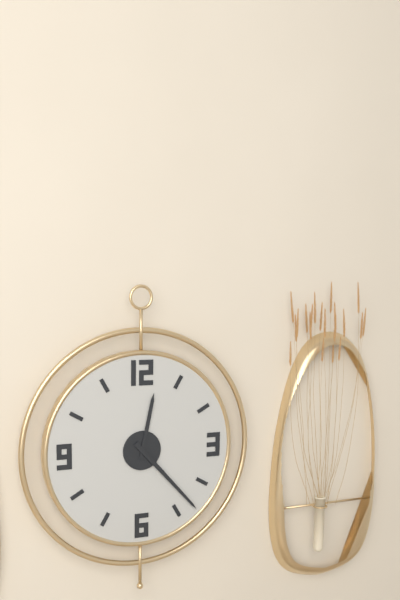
12 h 23 min
